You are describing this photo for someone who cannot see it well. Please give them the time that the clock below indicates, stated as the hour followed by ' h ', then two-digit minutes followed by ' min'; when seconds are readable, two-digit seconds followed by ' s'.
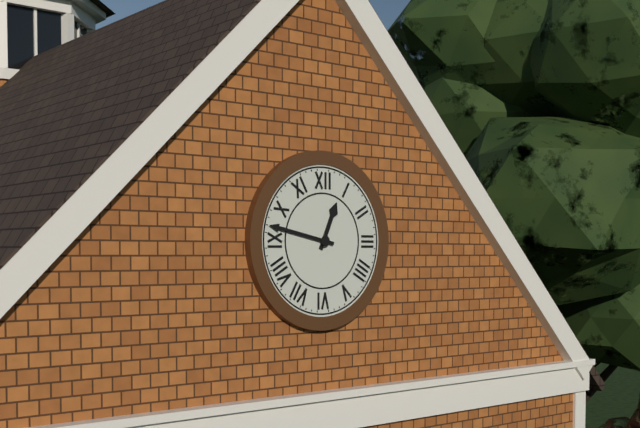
12 h 47 min
